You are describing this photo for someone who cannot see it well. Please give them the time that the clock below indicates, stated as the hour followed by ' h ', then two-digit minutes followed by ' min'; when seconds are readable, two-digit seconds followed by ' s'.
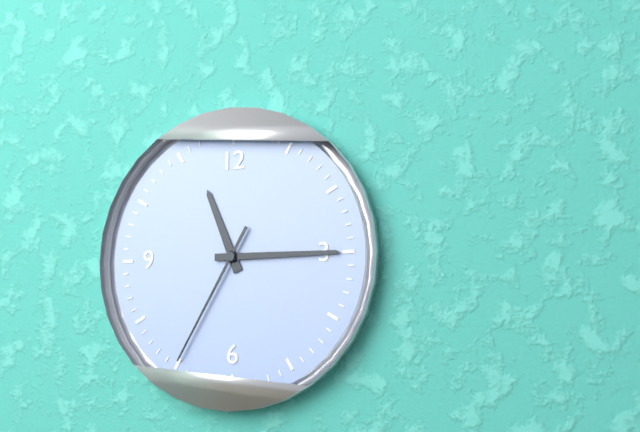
11 h 15 min 35 s
